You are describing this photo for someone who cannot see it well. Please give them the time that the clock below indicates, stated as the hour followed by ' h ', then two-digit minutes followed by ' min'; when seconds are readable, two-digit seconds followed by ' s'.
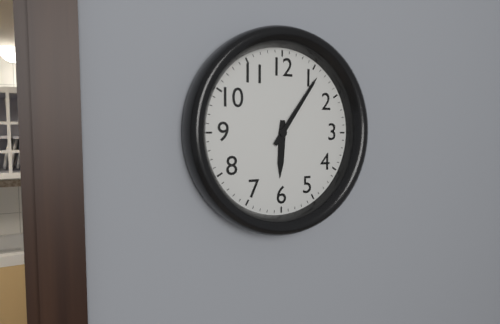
6 h 06 min
